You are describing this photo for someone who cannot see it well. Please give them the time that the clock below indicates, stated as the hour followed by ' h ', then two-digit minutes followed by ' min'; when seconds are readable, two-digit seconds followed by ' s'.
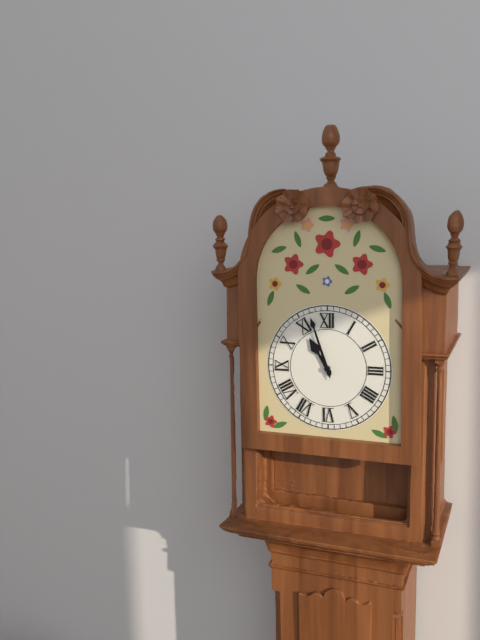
10 h 57 min
